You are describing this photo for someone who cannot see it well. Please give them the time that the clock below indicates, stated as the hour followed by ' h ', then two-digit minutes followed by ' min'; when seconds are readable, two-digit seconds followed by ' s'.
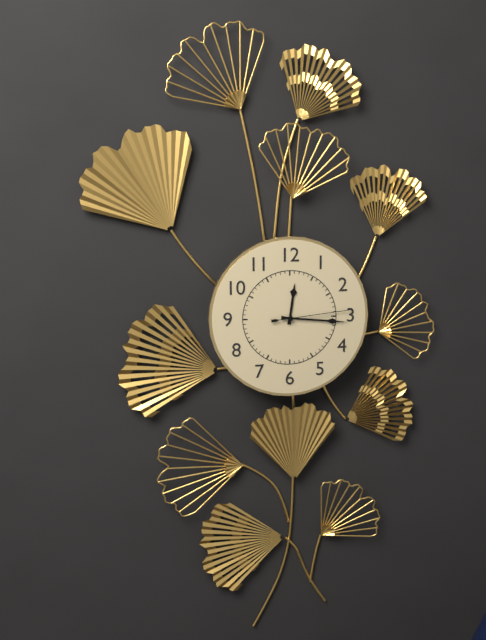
12 h 16 min 14 s
